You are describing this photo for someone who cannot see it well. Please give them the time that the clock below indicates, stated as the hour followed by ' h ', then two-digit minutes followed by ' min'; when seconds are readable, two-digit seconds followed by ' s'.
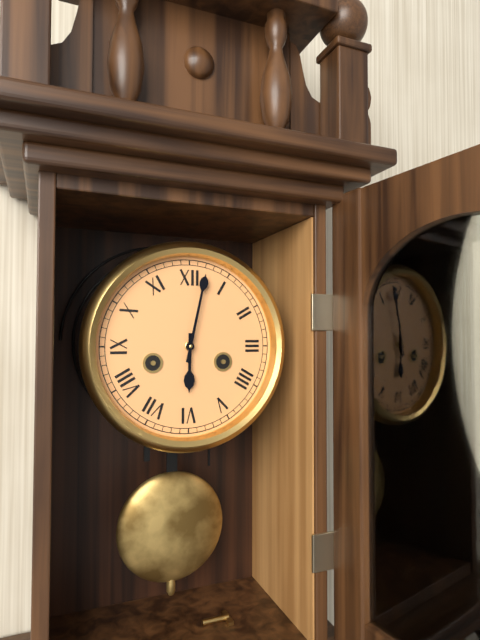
6 h 02 min
